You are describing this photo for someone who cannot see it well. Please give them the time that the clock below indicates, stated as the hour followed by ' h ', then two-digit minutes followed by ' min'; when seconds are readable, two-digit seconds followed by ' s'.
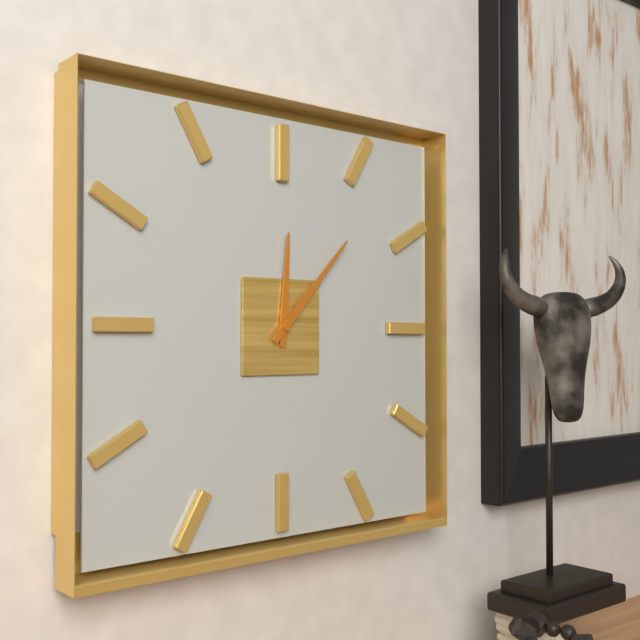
12 h 07 min
